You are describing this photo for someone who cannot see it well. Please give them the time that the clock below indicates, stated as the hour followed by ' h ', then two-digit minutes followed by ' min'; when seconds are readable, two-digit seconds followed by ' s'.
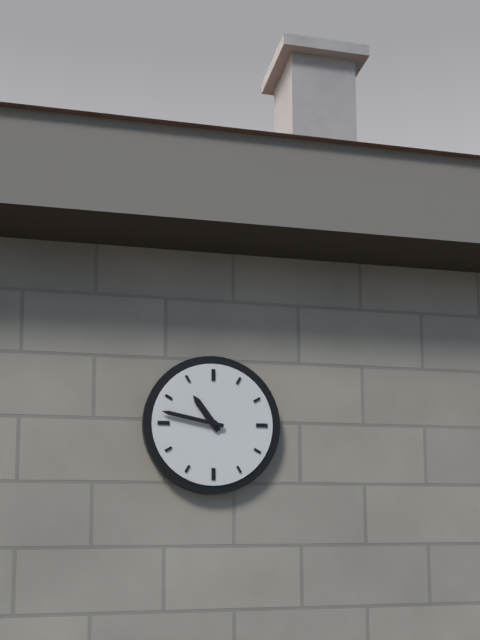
10 h 47 min
